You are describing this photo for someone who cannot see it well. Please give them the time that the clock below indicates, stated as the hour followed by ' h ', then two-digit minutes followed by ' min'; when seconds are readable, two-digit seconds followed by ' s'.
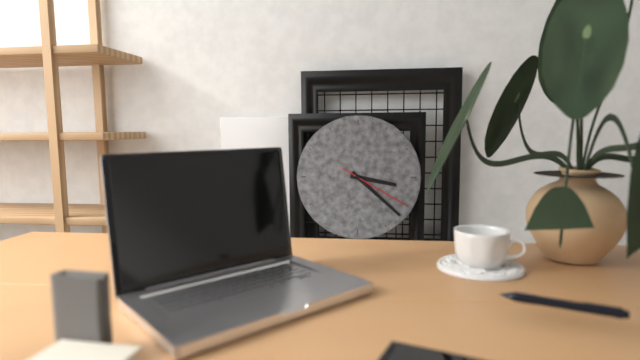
3 h 22 min 20 s
